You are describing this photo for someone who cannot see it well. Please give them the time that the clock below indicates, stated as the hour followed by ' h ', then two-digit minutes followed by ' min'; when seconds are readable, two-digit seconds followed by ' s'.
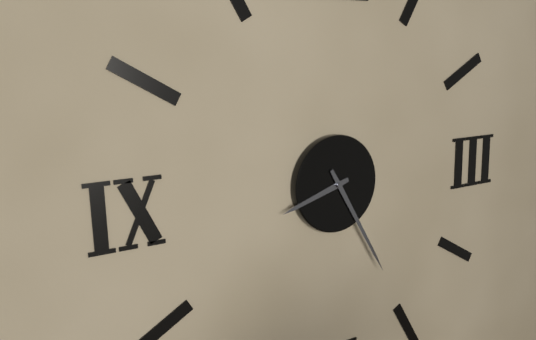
8 h 25 min
